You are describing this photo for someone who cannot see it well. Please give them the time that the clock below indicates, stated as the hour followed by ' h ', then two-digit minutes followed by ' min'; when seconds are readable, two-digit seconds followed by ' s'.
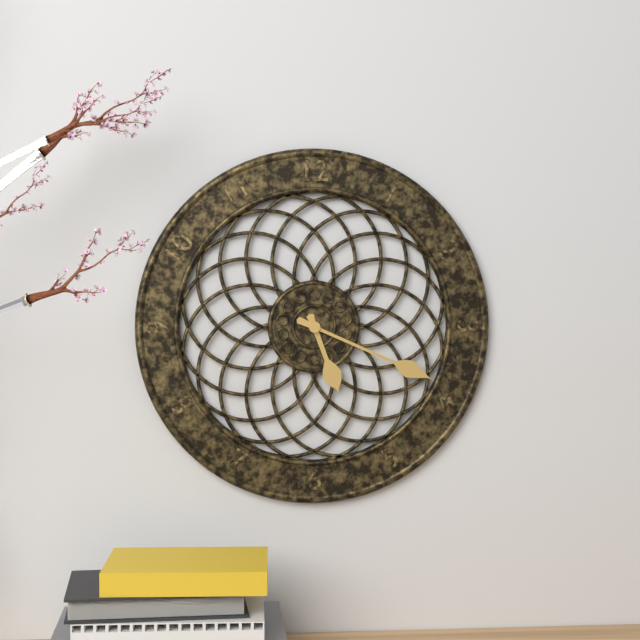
5 h 19 min
